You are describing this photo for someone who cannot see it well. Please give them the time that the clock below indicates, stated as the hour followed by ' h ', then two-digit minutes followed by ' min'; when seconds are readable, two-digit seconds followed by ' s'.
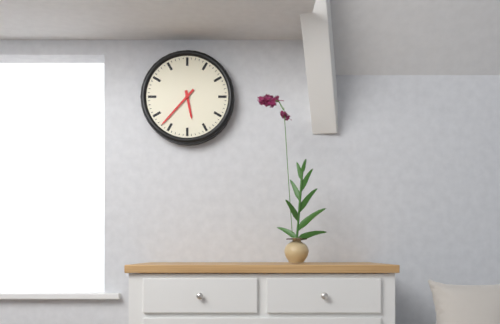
5 h 37 min
